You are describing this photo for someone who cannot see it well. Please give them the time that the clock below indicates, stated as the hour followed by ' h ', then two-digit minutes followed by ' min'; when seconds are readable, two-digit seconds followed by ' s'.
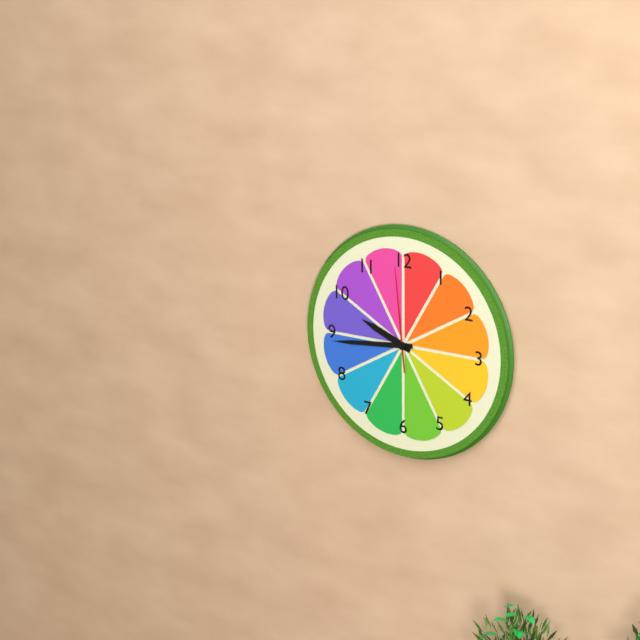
9 h 44 min 59 s
